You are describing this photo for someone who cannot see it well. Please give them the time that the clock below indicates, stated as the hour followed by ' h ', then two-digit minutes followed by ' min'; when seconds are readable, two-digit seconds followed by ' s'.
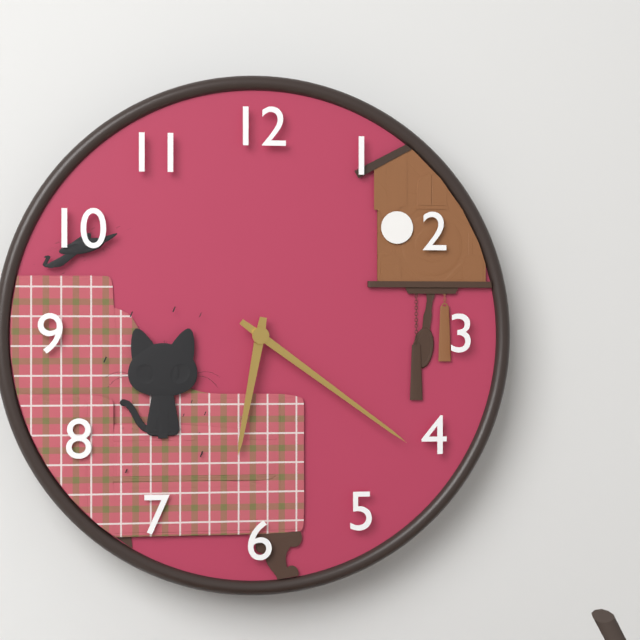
6 h 21 min
